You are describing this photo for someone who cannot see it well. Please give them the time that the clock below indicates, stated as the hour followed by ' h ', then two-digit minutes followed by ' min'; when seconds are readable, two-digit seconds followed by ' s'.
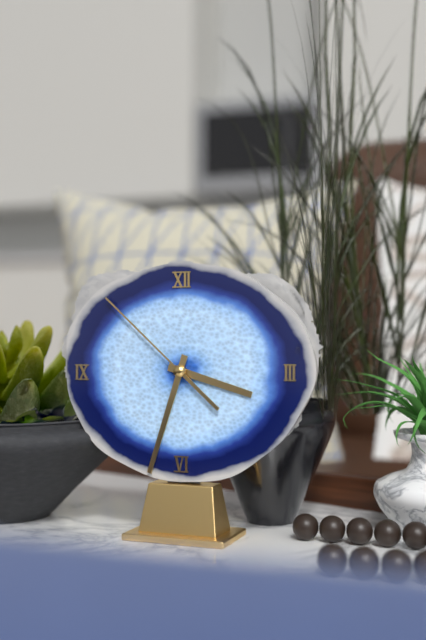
3 h 33 min 52 s
